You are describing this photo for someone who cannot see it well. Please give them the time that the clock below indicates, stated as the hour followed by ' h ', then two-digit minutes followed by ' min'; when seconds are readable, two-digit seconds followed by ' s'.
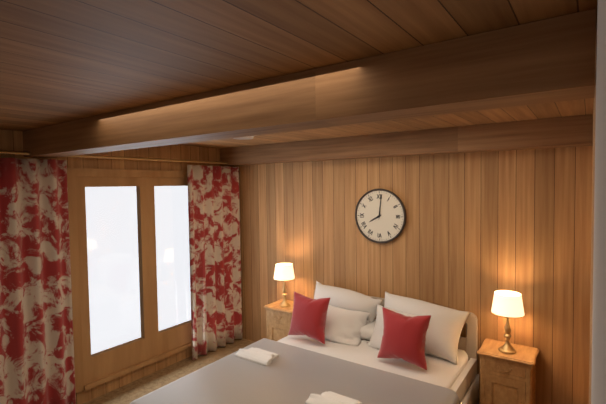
8 h 01 min
